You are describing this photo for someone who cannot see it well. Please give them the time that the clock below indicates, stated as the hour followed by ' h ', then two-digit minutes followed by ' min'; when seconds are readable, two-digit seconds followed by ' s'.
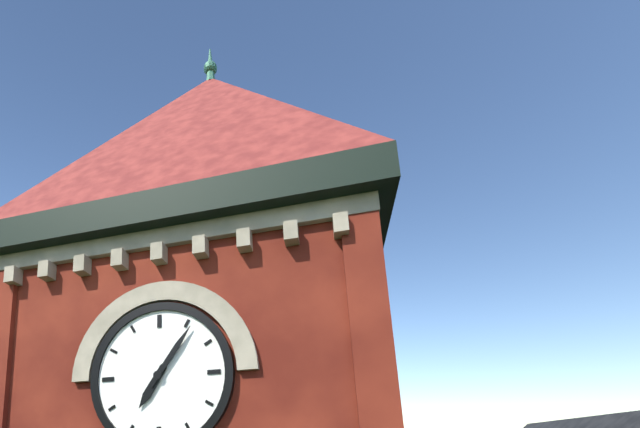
7 h 06 min
